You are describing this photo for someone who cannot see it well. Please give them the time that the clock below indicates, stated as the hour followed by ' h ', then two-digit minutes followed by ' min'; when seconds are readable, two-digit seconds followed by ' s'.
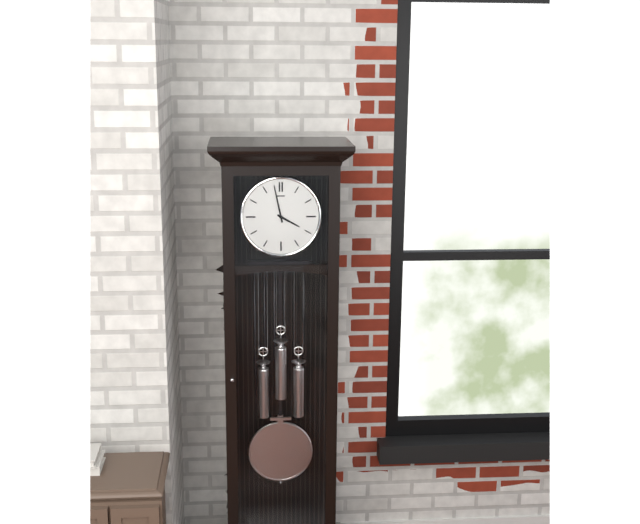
3 h 58 min
